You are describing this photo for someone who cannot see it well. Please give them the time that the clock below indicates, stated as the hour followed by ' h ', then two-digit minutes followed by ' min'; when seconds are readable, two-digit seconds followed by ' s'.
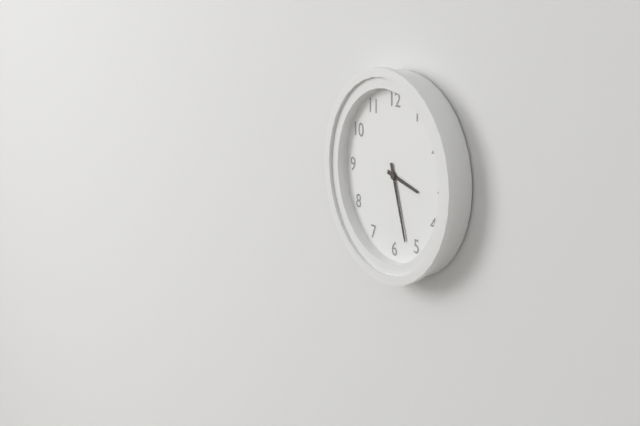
3 h 27 min
